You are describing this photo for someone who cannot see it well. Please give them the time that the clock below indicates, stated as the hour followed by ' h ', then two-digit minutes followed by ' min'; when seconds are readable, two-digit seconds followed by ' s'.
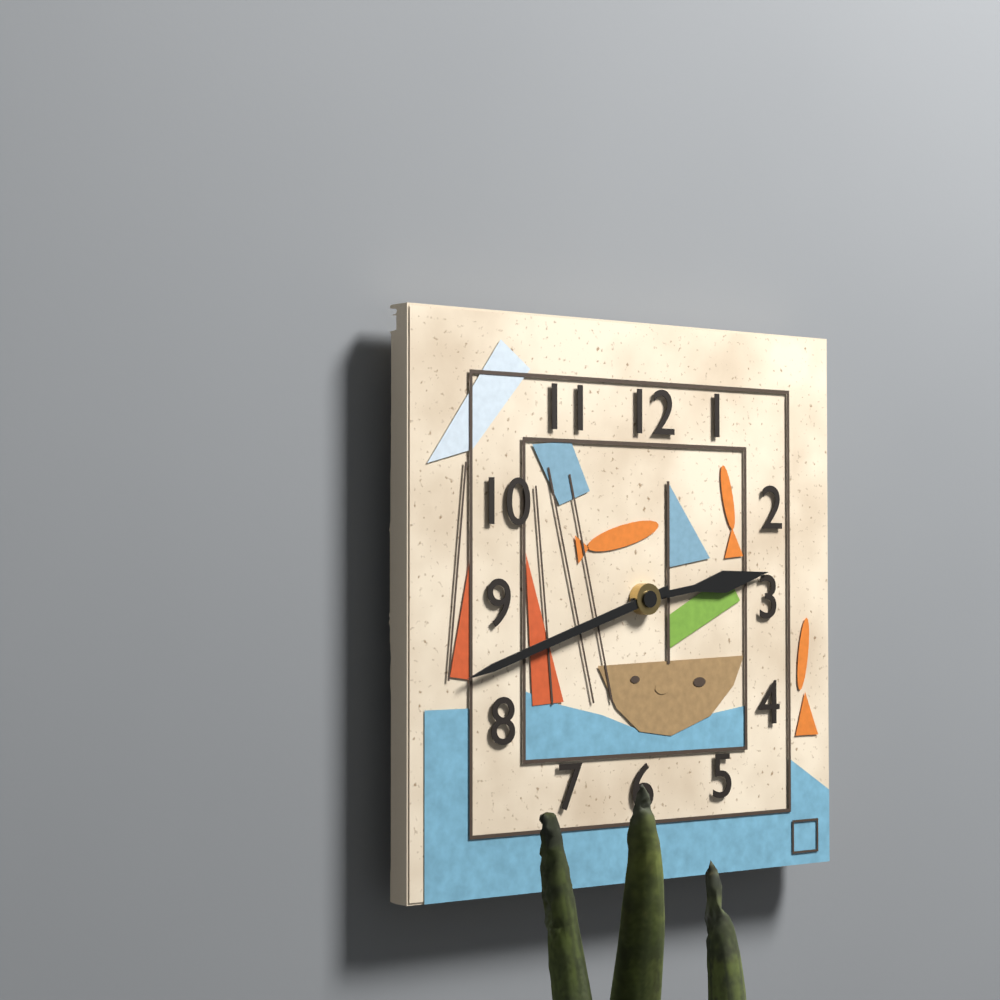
2 h 42 min
